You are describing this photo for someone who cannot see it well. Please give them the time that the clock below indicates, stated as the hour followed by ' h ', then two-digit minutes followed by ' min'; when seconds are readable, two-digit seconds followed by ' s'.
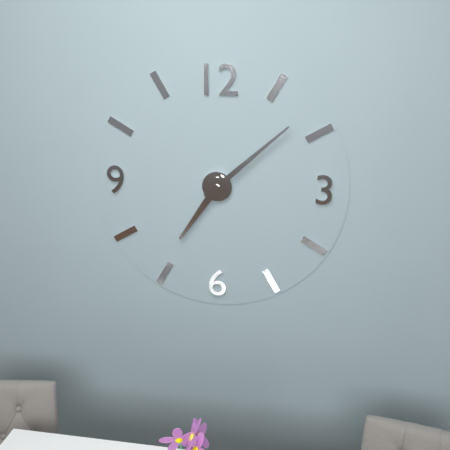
7 h 08 min
